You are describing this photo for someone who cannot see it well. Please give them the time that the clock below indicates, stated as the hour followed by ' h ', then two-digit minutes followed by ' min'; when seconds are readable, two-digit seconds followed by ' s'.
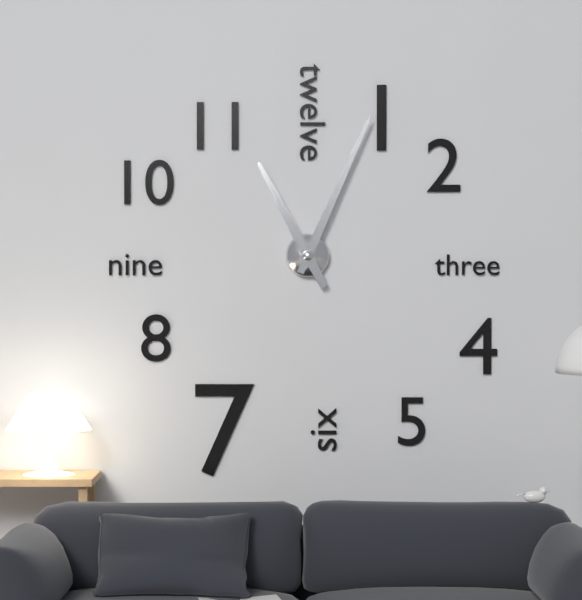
11 h 04 min
